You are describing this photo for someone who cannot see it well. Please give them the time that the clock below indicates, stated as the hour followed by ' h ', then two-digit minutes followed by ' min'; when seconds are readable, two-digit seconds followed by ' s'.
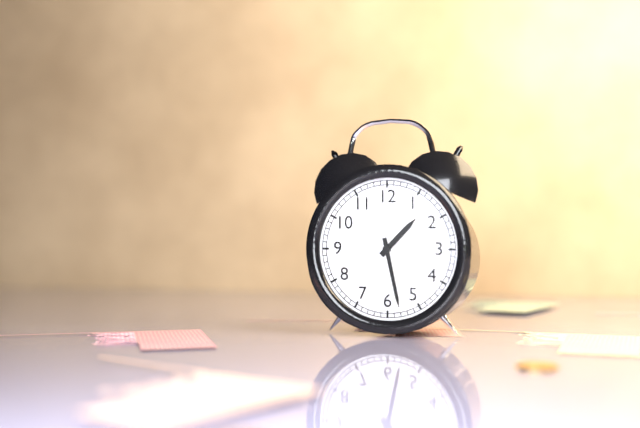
1 h 28 min
